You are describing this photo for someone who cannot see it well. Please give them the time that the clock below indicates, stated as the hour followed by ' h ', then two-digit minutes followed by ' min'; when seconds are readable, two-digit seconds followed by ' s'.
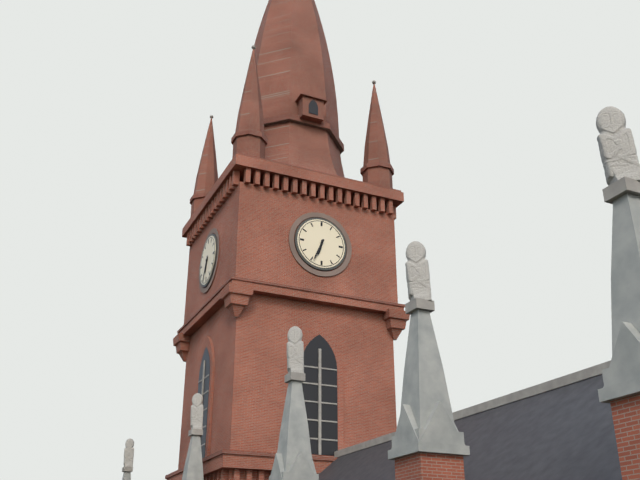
6 h 34 min
